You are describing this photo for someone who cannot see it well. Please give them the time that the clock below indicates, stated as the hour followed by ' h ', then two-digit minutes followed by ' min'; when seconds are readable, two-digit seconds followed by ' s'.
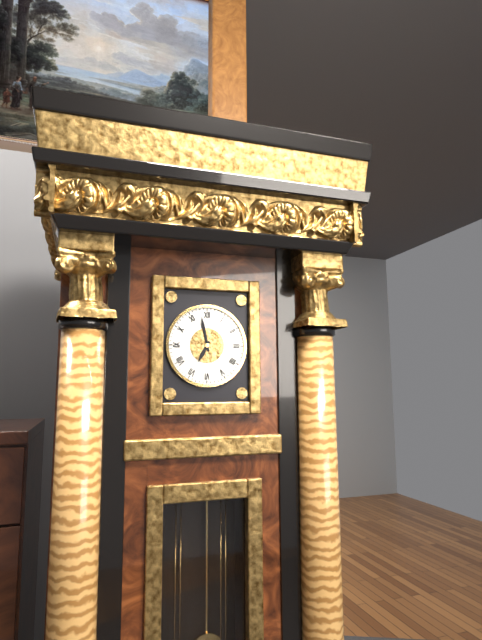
6 h 58 min
